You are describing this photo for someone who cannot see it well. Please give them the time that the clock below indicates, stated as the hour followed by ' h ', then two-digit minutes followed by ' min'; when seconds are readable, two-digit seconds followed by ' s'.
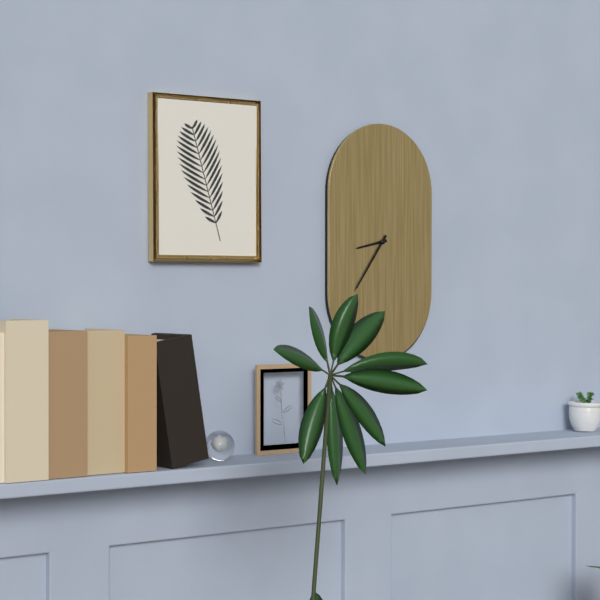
8 h 36 min
